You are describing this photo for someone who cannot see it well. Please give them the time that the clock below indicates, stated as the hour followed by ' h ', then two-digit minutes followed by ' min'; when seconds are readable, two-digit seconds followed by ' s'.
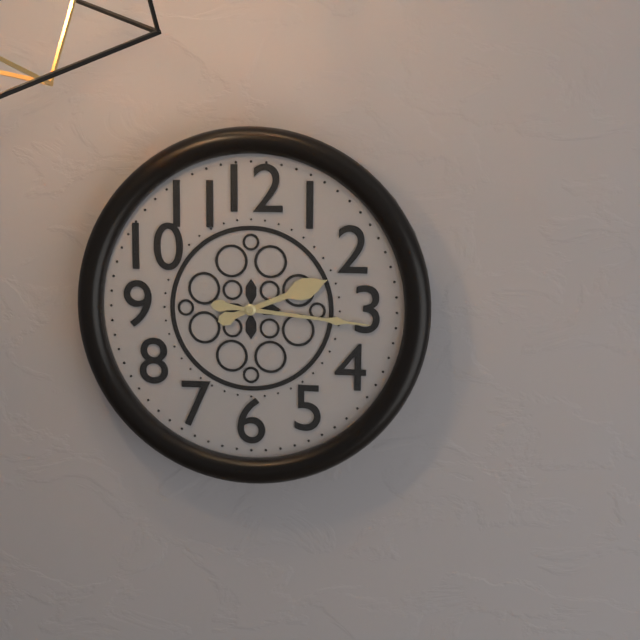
2 h 16 min
